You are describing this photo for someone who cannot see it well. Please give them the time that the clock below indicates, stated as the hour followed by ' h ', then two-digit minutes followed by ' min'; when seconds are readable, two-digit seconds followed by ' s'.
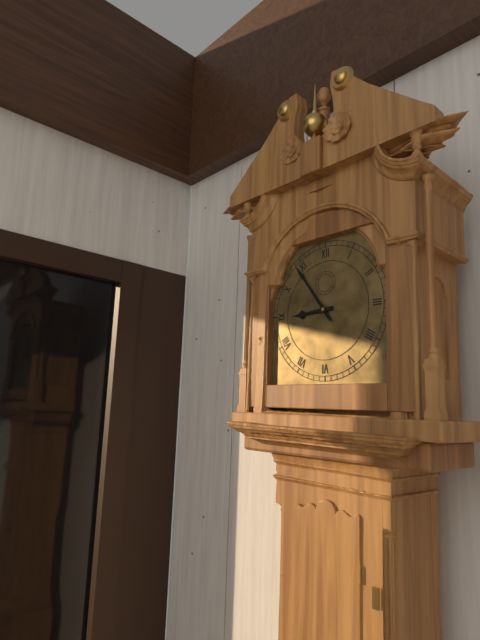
8 h 54 min
